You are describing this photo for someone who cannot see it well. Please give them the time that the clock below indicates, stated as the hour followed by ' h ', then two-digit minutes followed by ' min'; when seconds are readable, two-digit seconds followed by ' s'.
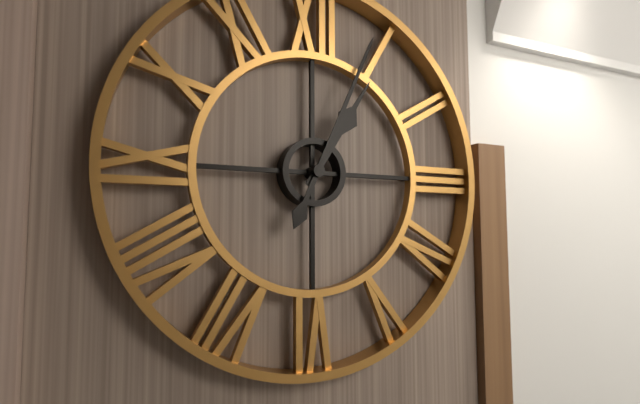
1 h 04 min
